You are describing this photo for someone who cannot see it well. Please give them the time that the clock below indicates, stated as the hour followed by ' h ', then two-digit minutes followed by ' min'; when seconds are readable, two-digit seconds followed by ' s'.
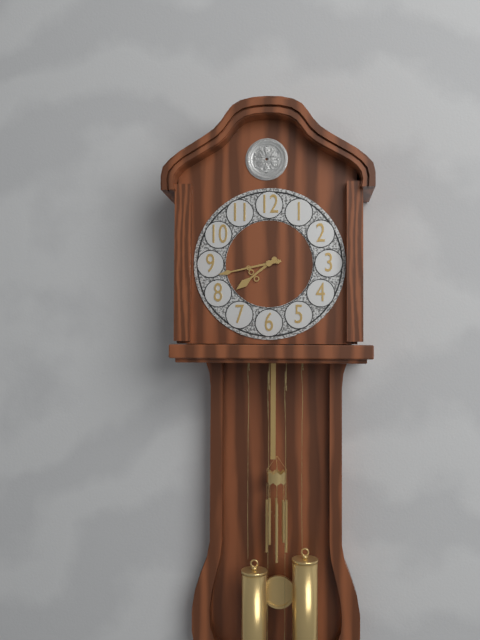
7 h 43 min
